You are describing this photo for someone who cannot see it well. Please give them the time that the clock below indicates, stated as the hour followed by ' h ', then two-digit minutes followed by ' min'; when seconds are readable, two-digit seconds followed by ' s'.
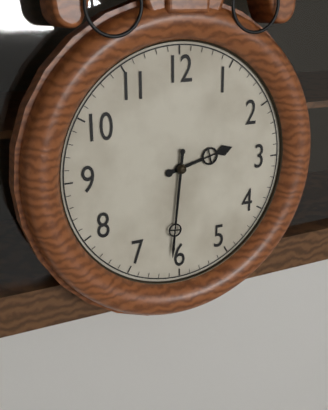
2 h 31 min
